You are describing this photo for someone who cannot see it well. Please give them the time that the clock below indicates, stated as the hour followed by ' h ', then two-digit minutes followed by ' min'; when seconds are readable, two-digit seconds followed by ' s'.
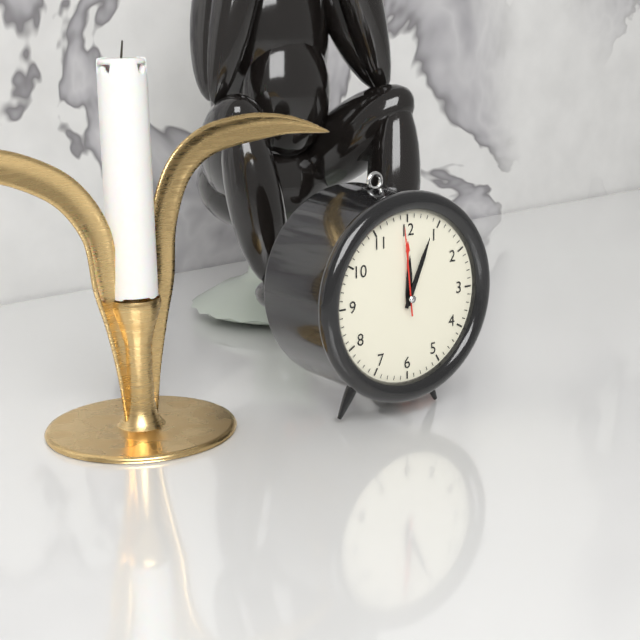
12 h 04 min 59 s
